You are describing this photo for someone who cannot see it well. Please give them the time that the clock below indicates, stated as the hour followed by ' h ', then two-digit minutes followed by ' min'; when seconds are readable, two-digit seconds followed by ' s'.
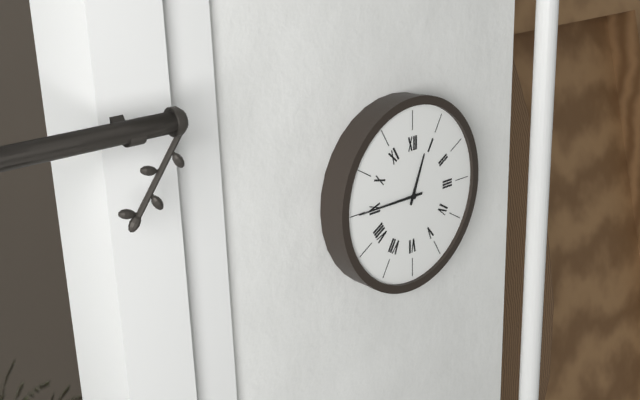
12 h 45 min
